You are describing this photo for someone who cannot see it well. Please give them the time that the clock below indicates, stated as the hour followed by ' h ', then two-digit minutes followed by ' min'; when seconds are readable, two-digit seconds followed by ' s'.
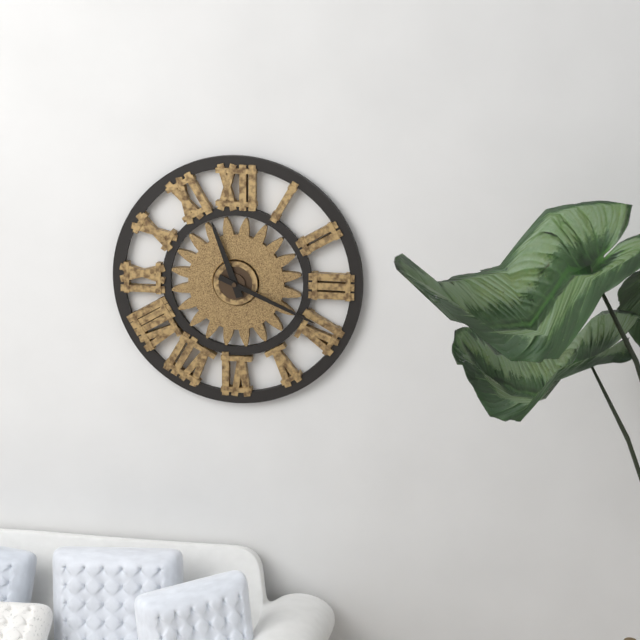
11 h 19 min
